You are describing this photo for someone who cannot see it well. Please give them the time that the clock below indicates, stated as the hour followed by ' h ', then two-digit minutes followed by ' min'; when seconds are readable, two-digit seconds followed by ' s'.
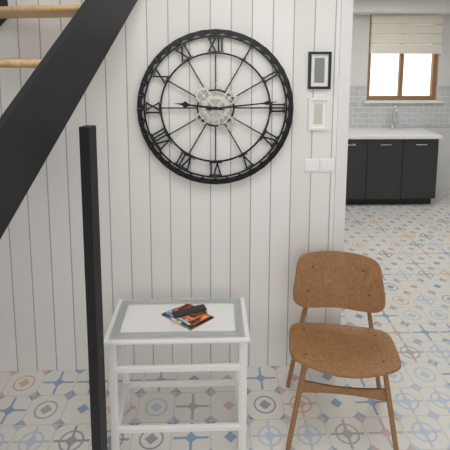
9 h 14 min
